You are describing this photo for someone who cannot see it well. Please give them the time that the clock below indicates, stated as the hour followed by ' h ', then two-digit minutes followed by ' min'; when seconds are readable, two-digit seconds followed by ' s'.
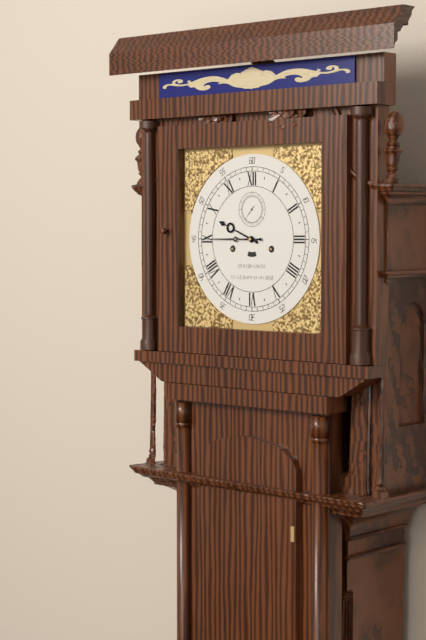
9 h 45 min
